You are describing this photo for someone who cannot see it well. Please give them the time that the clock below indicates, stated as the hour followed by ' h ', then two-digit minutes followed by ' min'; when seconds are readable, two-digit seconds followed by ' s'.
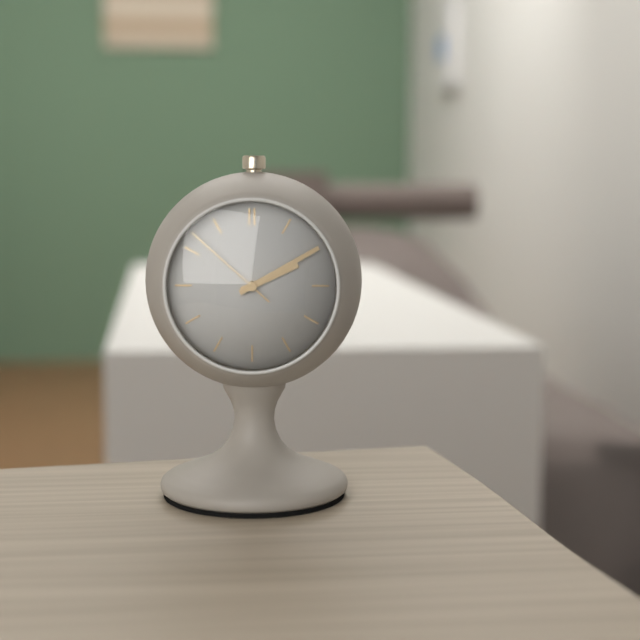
2 h 10 min 52 s
